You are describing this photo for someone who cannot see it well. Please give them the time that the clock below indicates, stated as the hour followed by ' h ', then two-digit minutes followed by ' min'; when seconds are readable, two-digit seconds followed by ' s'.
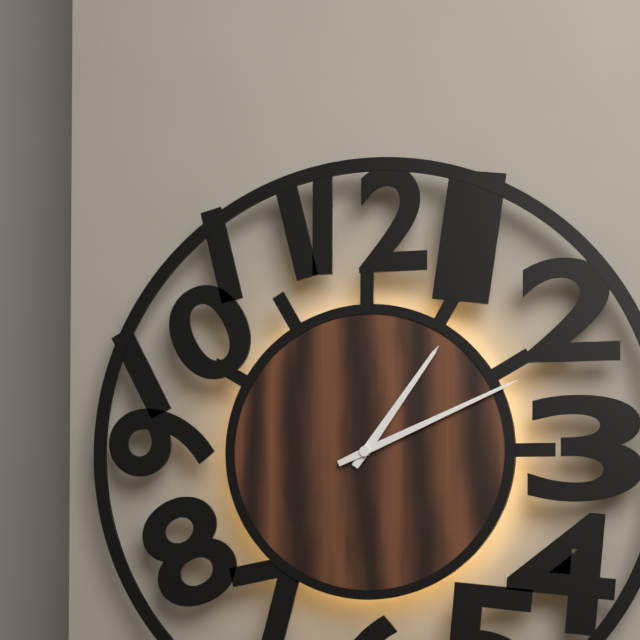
1 h 11 min
